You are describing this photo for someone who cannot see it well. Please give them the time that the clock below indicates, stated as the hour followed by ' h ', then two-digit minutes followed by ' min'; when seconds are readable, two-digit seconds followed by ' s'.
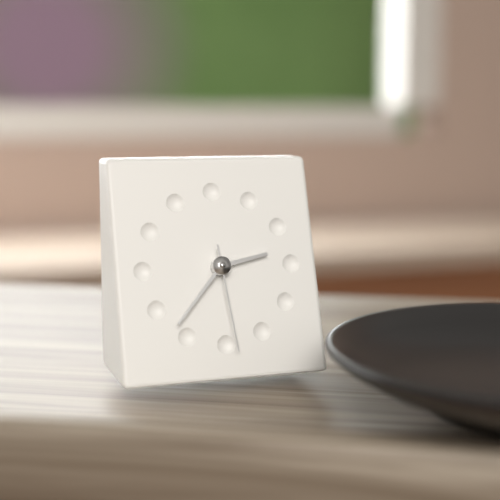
2 h 37 min 29 s
